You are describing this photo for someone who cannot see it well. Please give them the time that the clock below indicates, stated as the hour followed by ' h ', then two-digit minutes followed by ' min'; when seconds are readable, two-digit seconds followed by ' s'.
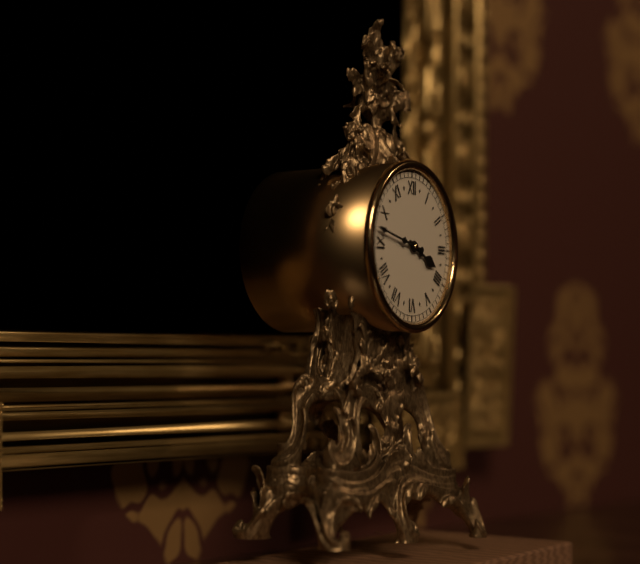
3 h 47 min
